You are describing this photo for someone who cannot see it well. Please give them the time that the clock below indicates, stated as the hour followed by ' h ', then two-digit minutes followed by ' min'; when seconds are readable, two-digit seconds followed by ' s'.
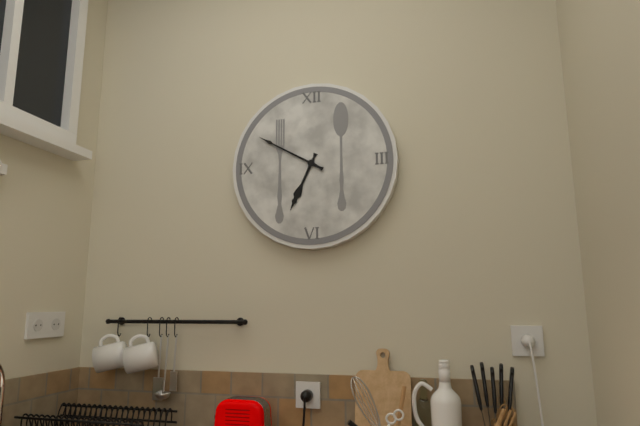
6 h 50 min
